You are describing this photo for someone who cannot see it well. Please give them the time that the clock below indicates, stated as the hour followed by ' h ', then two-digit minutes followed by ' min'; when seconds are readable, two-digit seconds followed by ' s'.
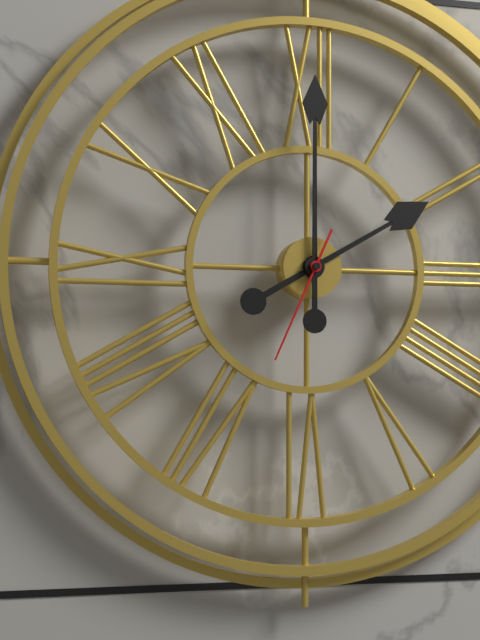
2 h 00 min 34 s
